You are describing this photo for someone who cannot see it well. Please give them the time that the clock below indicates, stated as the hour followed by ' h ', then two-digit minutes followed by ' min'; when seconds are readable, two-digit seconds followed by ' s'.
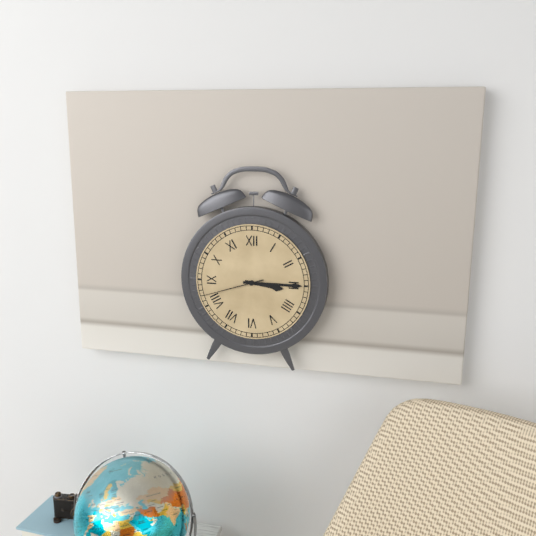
3 h 15 min 42 s
